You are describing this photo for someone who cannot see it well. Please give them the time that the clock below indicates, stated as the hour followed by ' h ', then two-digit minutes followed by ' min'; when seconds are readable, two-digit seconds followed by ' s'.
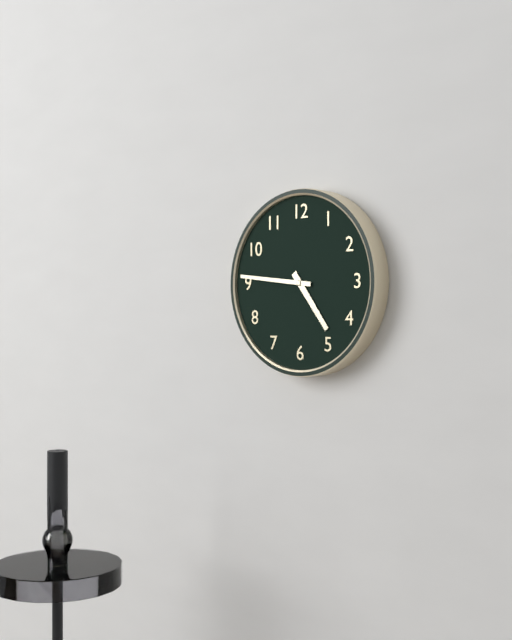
4 h 46 min
